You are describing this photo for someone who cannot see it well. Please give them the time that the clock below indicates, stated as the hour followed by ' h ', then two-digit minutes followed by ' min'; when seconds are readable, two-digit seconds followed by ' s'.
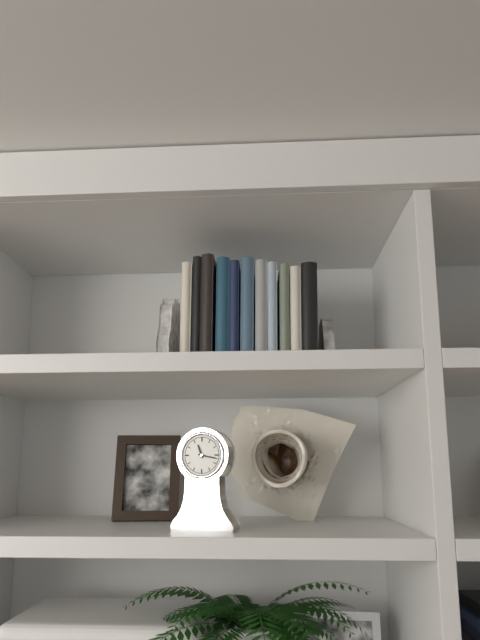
11 h 17 min
